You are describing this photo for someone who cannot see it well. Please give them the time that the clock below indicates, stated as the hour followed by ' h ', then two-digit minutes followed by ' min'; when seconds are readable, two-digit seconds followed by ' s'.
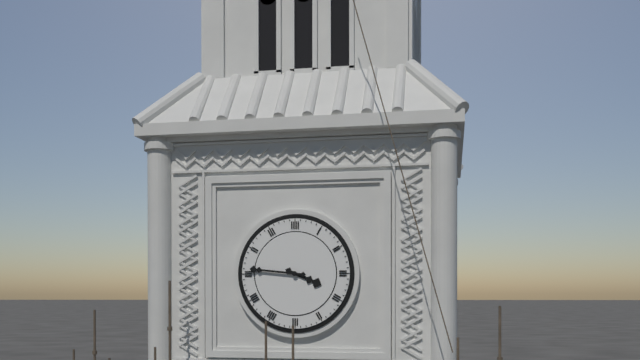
3 h 46 min
